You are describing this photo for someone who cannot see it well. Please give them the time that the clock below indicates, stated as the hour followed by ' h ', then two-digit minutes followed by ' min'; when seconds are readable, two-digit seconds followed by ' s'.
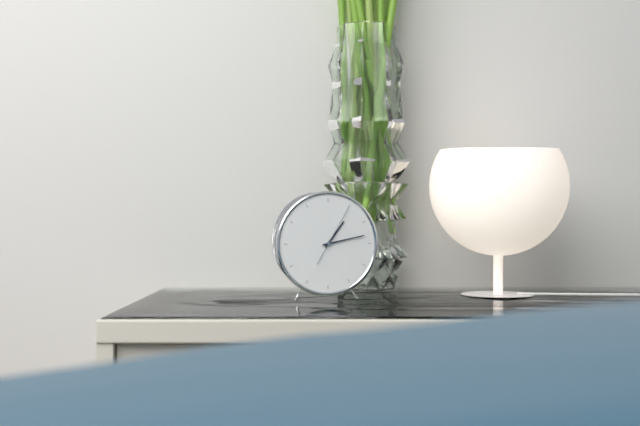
1 h 13 min 05 s
